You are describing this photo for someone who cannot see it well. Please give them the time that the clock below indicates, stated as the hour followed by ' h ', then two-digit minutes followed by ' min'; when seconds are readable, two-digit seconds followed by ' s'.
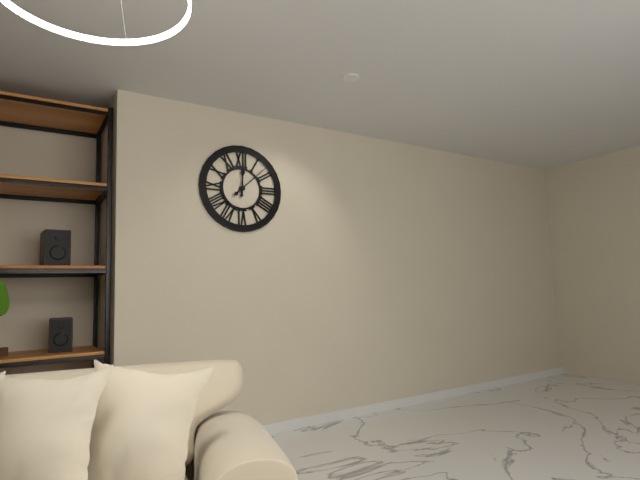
12 h 08 min
